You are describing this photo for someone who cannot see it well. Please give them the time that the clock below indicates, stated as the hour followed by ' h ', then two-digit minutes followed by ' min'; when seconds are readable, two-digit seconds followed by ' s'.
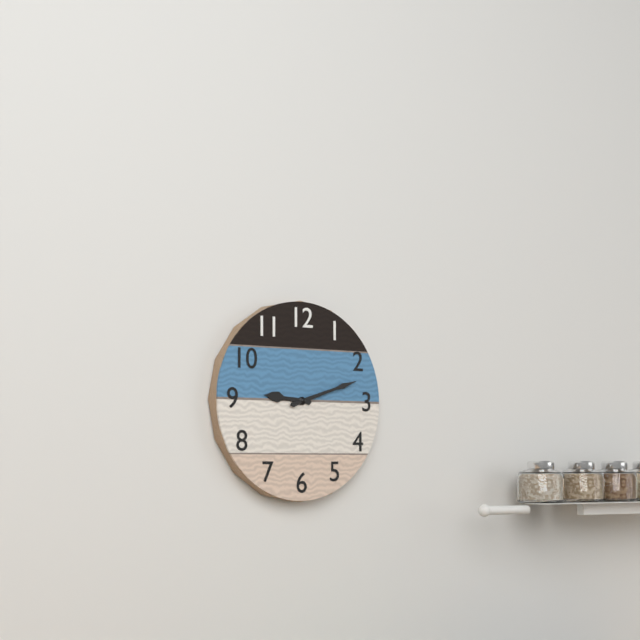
9 h 12 min
